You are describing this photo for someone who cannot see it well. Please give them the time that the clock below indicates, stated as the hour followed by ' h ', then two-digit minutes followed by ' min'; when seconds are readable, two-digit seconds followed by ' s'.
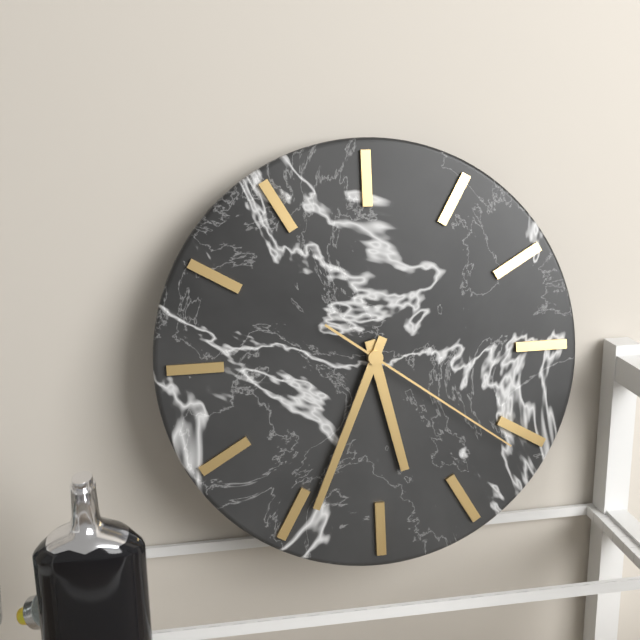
5 h 34 min 21 s
